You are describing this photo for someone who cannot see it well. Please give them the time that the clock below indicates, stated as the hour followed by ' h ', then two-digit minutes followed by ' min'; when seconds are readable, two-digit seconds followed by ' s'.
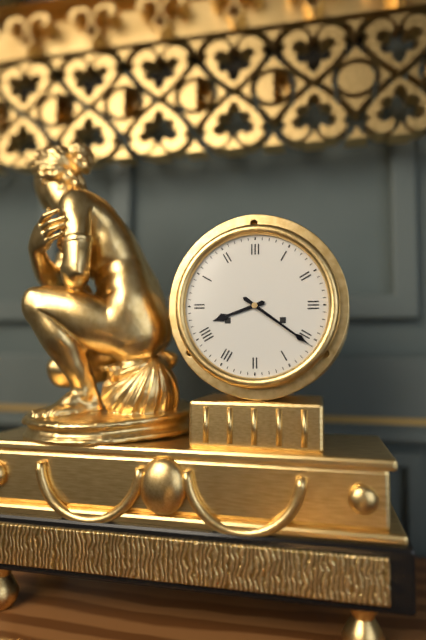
8 h 21 min
